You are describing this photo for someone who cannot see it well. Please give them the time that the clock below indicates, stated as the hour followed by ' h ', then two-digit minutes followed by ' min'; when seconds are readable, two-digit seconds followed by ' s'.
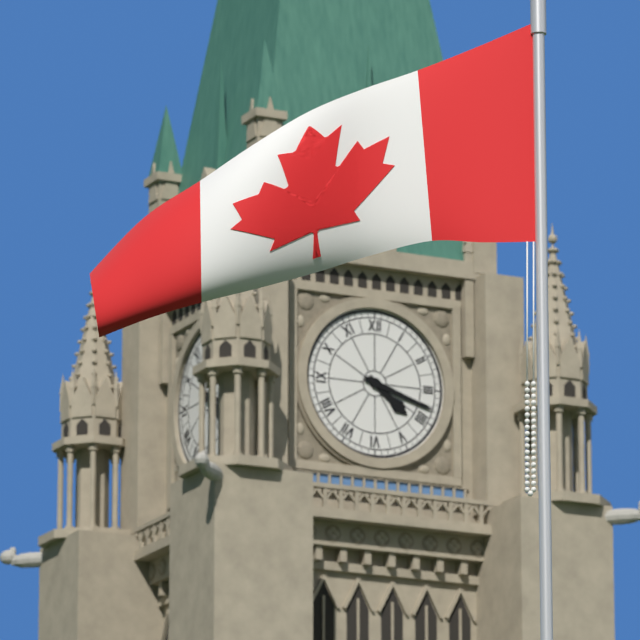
4 h 18 min
